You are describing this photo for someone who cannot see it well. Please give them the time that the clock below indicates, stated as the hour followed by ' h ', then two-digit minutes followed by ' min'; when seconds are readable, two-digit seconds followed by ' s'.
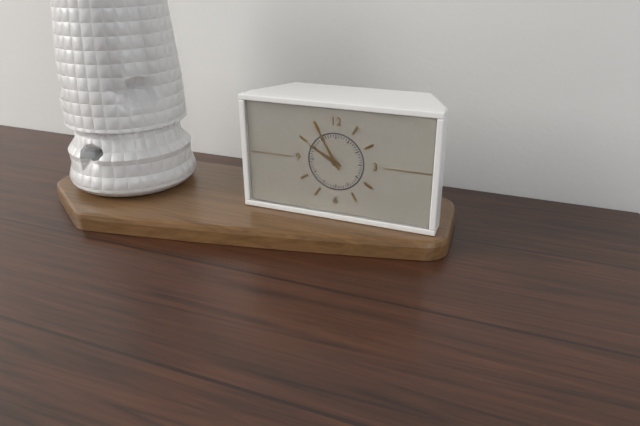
9 h 55 min
